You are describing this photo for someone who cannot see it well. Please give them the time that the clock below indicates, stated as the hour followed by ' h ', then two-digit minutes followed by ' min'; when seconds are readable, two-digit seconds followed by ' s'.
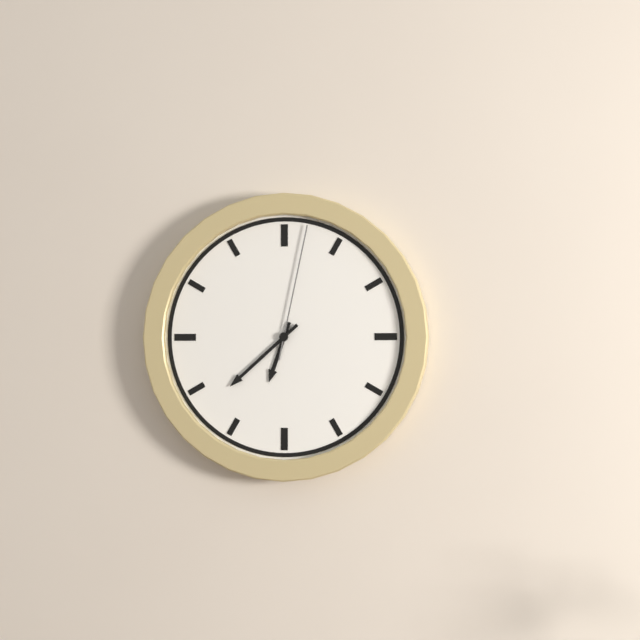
6 h 38 min 02 s
